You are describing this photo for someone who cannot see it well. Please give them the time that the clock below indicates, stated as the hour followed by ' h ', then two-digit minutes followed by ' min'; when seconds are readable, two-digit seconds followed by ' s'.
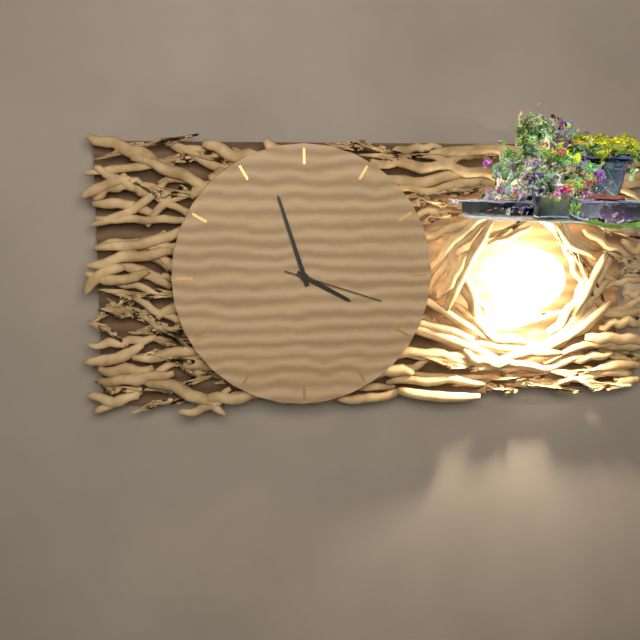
3 h 57 min 18 s
